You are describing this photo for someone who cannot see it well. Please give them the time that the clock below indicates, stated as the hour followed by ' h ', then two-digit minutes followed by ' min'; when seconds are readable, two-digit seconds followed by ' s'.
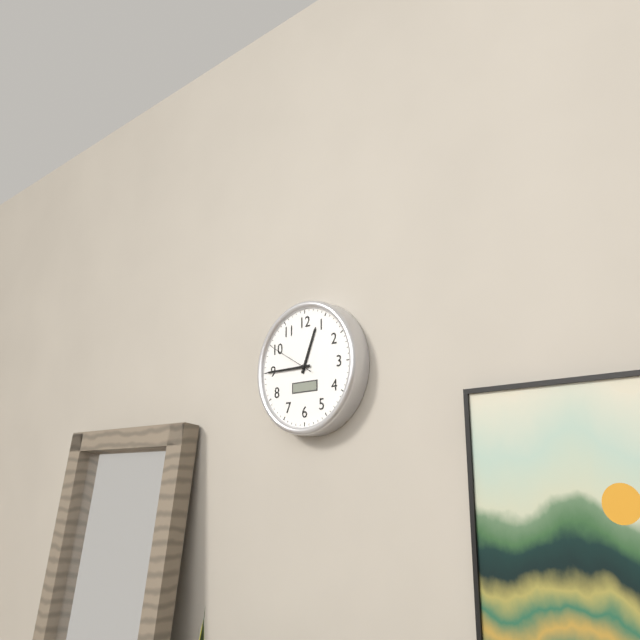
12 h 45 min
